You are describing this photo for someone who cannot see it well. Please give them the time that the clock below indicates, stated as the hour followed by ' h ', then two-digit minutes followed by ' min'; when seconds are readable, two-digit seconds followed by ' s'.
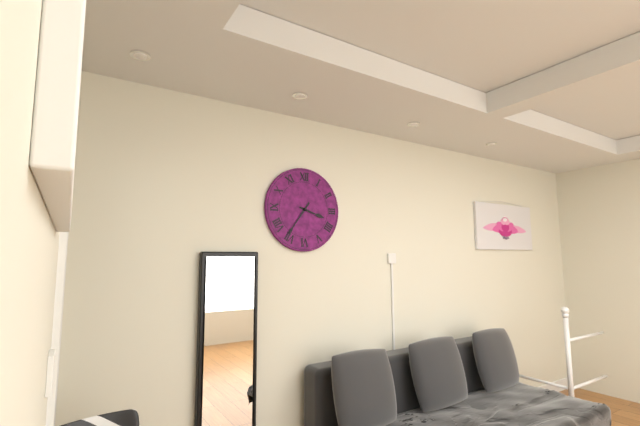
3 h 36 min
